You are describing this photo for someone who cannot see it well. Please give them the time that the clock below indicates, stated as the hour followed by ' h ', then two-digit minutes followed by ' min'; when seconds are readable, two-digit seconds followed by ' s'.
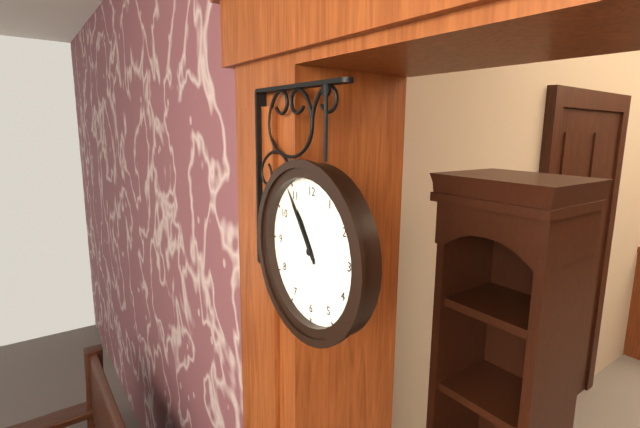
10 h 54 min
